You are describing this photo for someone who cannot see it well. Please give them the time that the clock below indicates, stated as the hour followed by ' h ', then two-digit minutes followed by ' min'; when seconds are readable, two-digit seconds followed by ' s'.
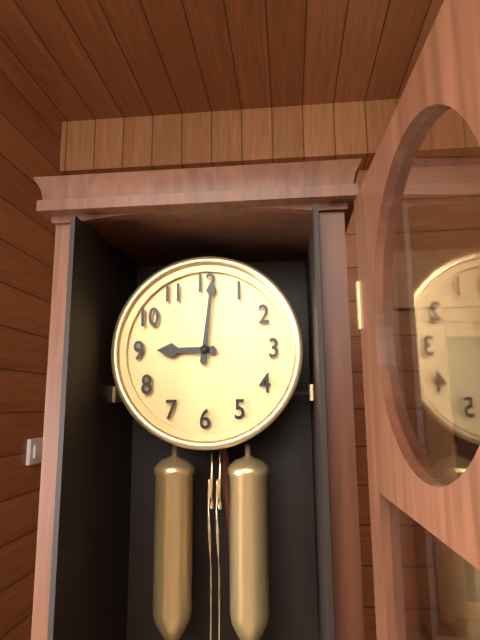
9 h 01 min
